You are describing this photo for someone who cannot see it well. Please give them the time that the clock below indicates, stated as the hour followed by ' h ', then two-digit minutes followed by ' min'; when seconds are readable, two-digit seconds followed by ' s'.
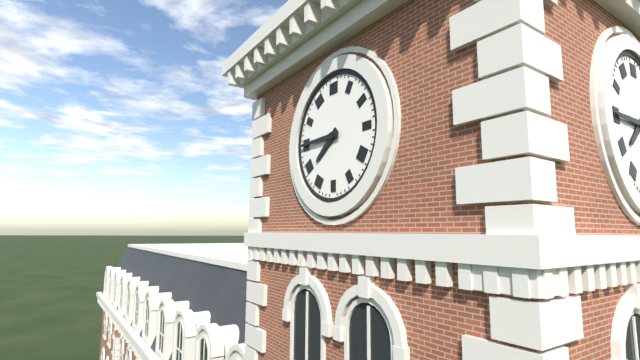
7 h 45 min
